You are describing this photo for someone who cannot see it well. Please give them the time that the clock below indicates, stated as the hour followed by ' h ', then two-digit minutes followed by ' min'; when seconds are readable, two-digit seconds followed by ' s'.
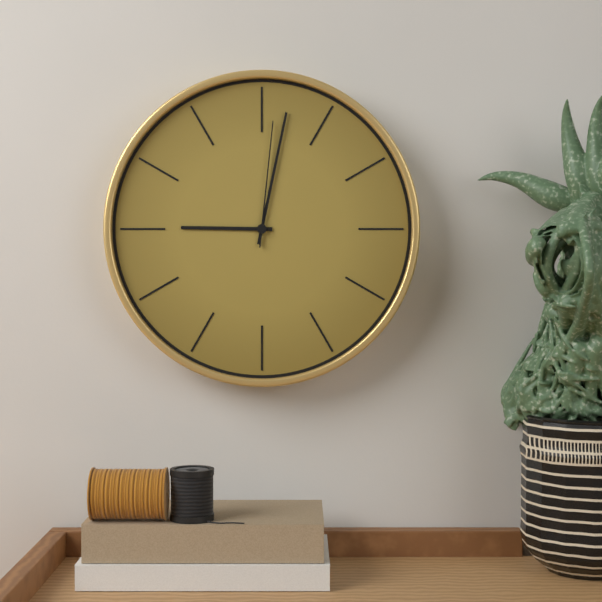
9 h 02 min 01 s
